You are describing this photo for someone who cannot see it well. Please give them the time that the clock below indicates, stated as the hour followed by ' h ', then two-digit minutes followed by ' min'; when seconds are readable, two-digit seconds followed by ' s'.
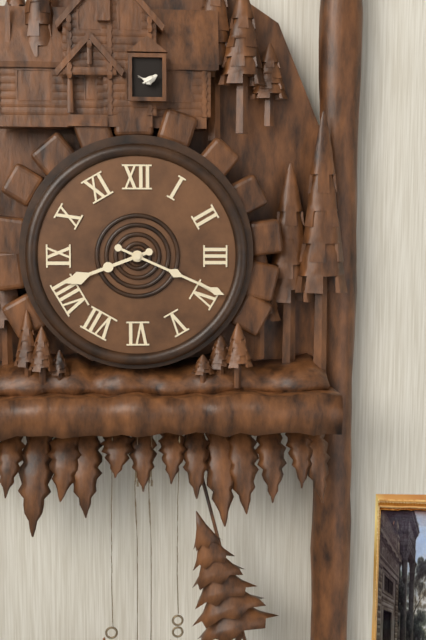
8 h 19 min
